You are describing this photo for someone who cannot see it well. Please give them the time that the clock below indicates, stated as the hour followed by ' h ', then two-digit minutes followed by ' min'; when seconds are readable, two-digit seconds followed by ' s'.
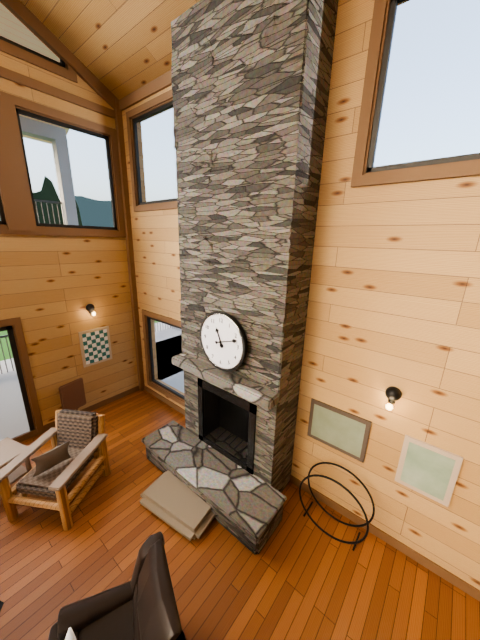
11 h 12 min
